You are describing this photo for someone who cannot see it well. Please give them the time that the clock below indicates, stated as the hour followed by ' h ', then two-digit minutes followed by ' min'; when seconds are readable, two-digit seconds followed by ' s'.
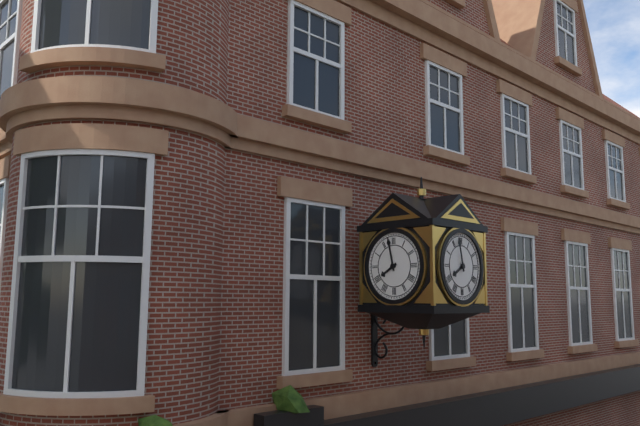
7 h 58 min
